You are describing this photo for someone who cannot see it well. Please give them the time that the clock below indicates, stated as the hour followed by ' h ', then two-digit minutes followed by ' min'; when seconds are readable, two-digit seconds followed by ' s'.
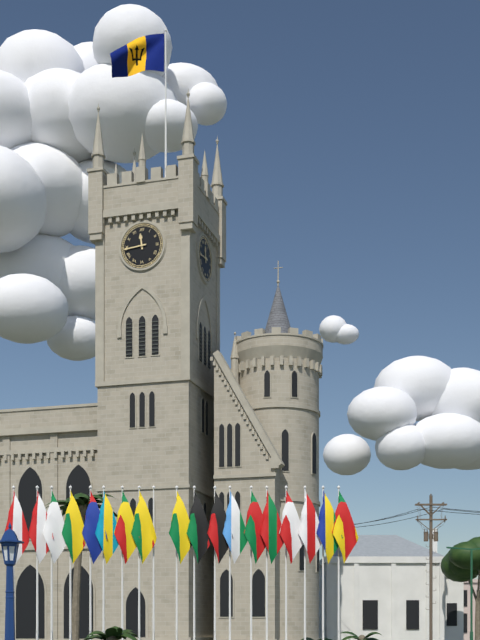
11 h 44 min
